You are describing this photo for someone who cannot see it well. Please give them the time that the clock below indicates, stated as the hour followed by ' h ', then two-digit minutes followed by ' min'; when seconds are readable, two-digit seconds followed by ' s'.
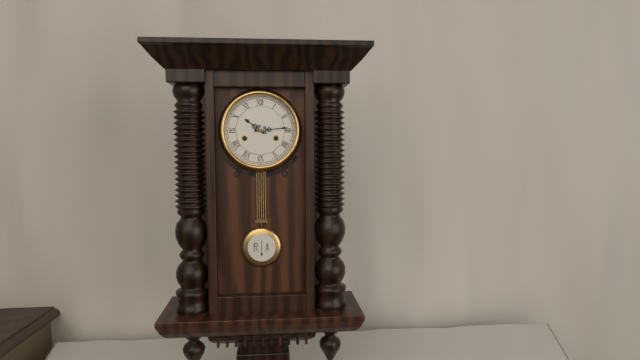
10 h 14 min
